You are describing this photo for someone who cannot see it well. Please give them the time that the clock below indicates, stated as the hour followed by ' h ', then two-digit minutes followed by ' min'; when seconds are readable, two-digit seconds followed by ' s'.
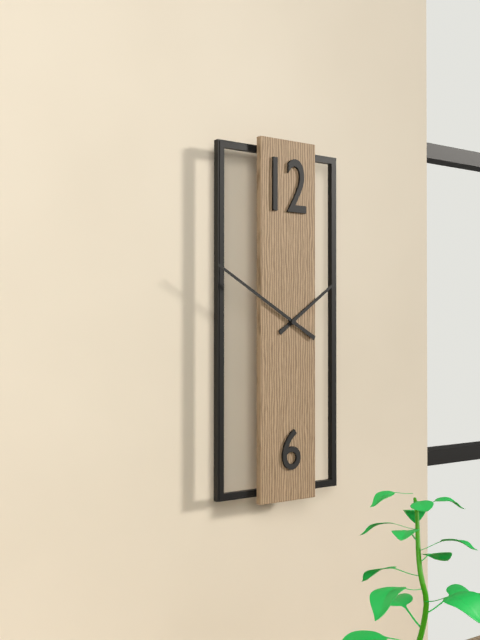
1 h 50 min
